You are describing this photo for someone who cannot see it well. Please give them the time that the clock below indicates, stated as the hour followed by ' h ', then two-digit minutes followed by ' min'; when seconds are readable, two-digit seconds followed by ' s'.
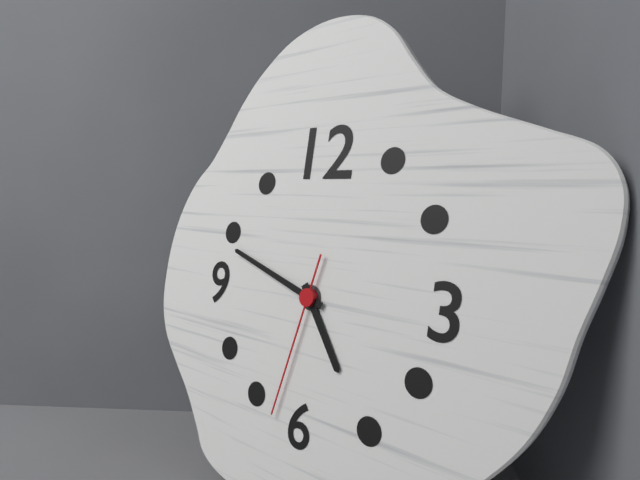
4 h 48 min 32 s
